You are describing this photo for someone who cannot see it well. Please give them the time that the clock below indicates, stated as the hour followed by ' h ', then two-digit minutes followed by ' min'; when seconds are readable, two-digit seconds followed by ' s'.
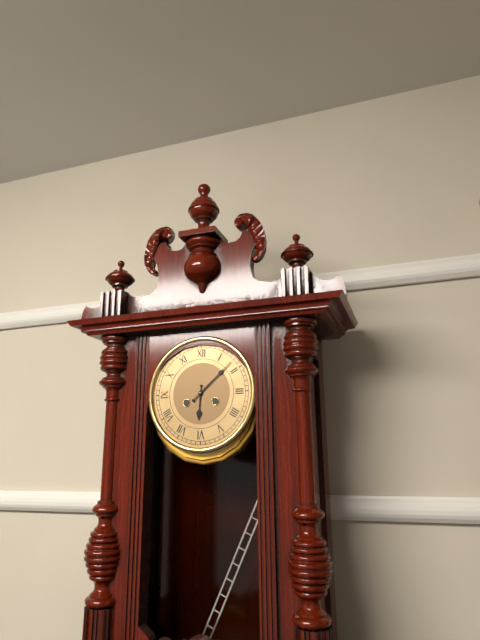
6 h 08 min
